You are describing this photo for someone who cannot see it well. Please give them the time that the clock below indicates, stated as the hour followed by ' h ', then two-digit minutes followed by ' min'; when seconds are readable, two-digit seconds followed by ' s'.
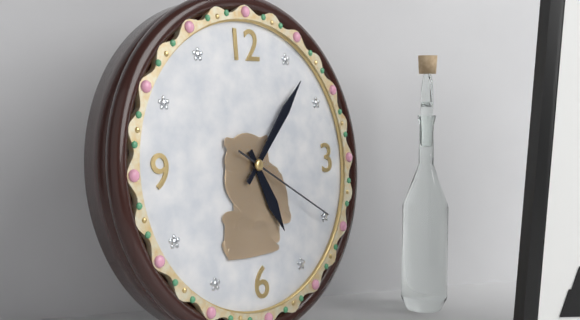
5 h 07 min 20 s
